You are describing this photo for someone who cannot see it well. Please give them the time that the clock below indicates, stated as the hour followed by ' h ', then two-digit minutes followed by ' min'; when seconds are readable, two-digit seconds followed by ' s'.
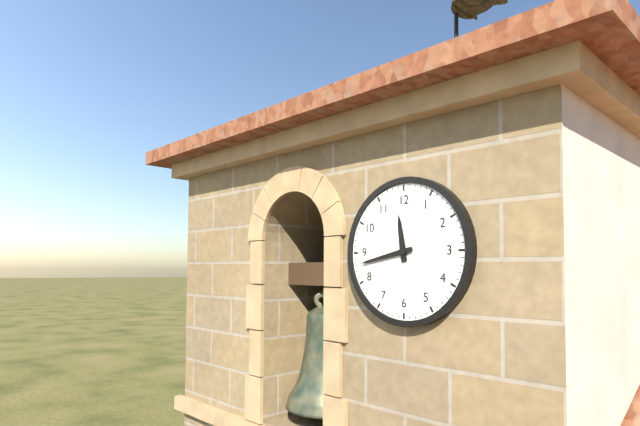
11 h 43 min
